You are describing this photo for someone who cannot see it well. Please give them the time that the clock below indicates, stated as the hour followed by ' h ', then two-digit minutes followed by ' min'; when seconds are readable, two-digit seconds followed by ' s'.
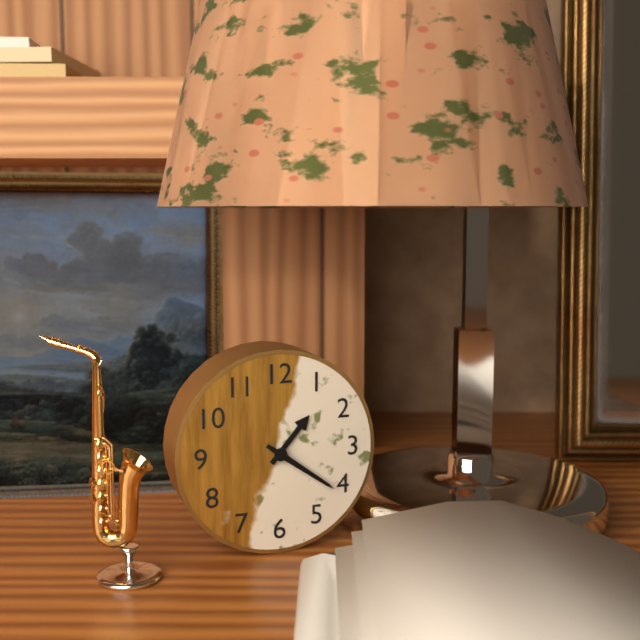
1 h 21 min
